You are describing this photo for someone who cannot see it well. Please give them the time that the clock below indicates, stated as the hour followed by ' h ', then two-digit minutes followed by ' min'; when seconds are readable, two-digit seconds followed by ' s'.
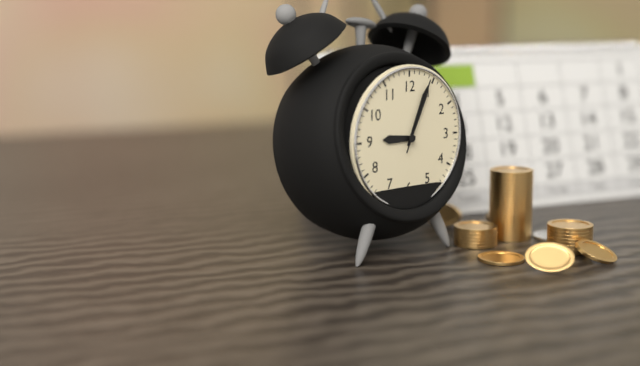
9 h 04 min 04 s
